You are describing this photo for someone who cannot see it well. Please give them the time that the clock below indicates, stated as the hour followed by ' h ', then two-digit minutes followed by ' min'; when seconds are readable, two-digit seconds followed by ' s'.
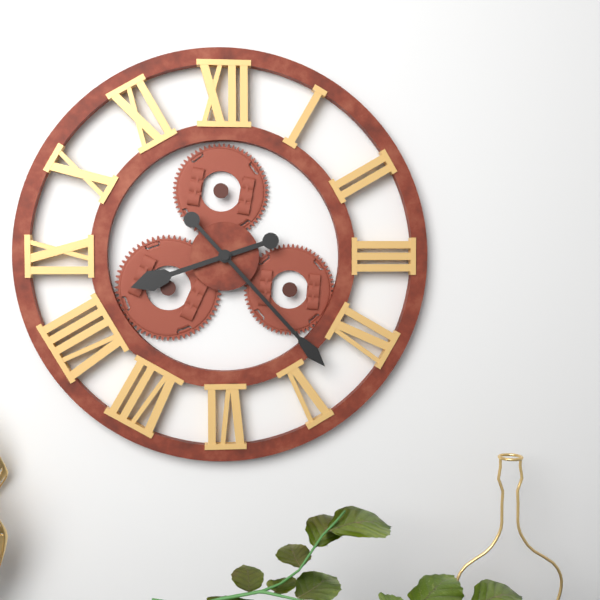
8 h 23 min
